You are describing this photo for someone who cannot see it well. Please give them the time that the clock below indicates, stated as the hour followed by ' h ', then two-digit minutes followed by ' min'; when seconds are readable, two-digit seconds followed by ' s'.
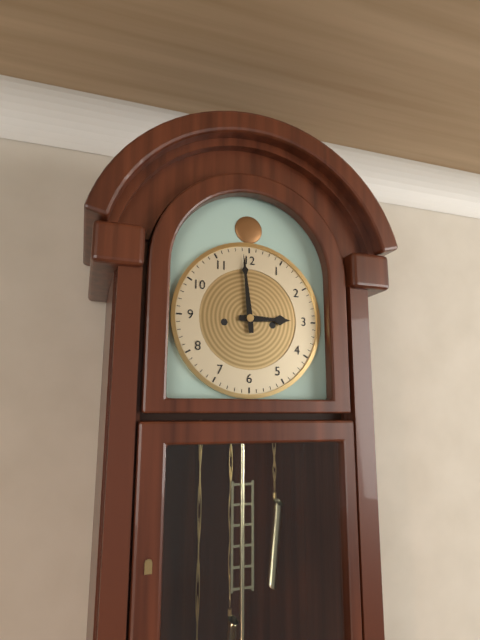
2 h 59 min
